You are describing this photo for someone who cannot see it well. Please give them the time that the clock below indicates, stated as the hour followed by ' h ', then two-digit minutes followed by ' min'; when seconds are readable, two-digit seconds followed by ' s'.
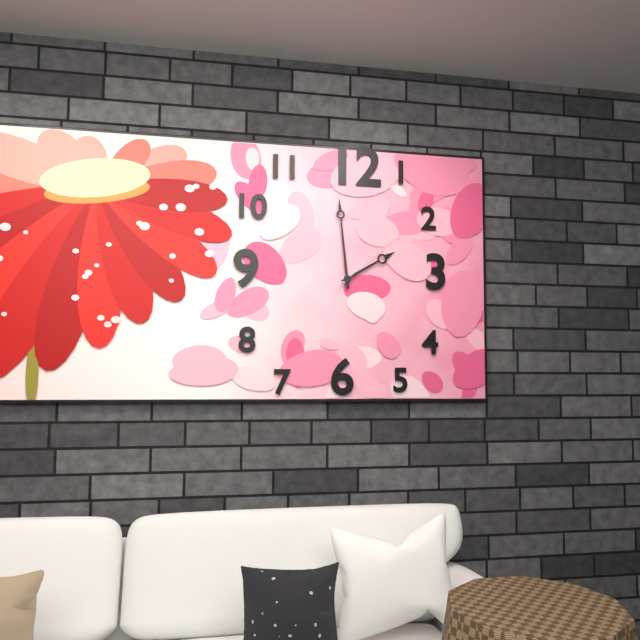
1 h 59 min 08 s
